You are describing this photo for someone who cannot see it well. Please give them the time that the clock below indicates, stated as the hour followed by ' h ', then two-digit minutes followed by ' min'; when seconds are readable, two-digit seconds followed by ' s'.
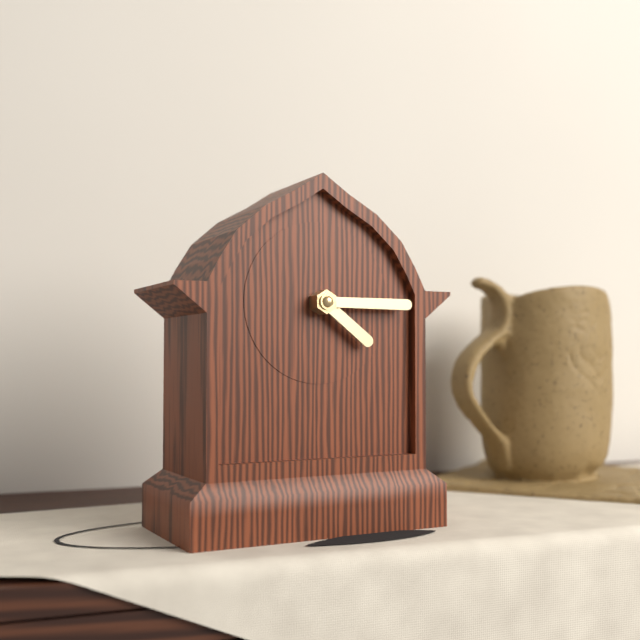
4 h 15 min
